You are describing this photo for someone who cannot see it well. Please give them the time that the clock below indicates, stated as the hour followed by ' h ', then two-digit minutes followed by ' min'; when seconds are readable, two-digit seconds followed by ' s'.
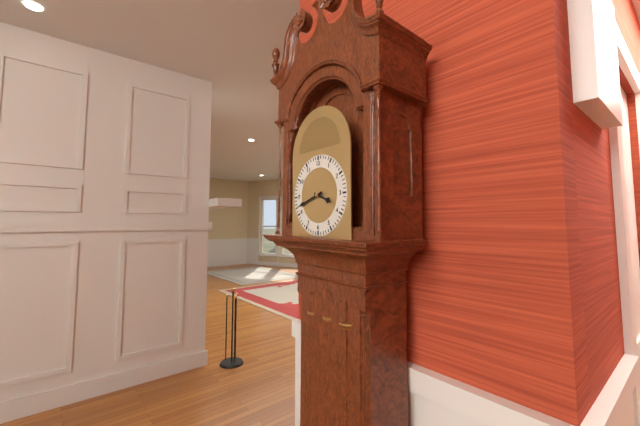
3 h 42 min
